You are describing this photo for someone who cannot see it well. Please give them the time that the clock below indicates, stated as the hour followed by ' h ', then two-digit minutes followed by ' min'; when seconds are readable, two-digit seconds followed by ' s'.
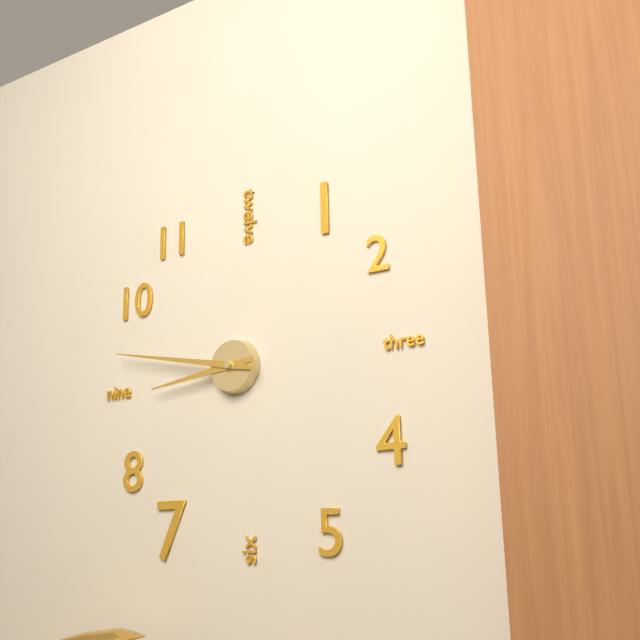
8 h 47 min
